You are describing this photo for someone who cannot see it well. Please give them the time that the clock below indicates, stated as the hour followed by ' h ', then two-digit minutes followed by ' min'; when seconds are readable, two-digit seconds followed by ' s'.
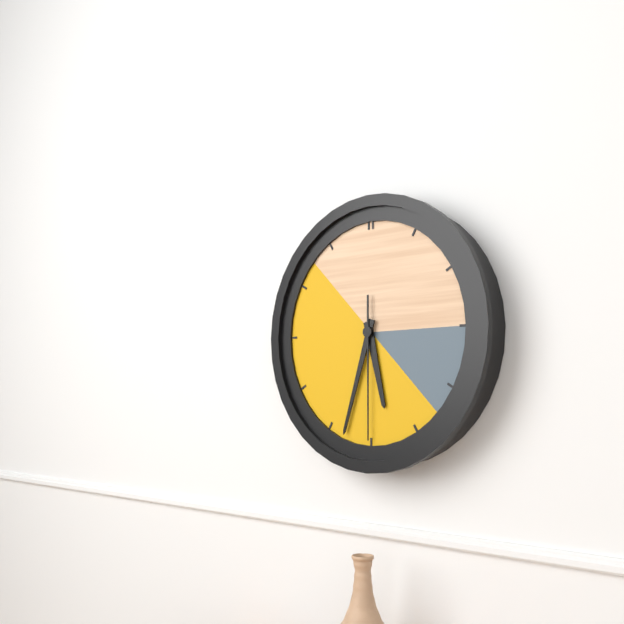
5 h 33 min 30 s
